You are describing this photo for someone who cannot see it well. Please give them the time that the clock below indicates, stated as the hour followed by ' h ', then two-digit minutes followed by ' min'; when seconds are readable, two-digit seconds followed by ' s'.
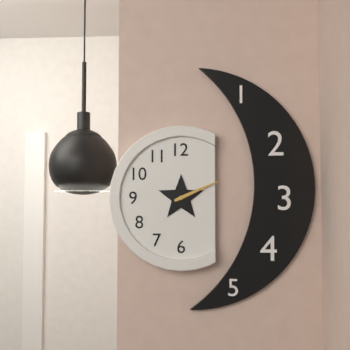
2 h 11 min
